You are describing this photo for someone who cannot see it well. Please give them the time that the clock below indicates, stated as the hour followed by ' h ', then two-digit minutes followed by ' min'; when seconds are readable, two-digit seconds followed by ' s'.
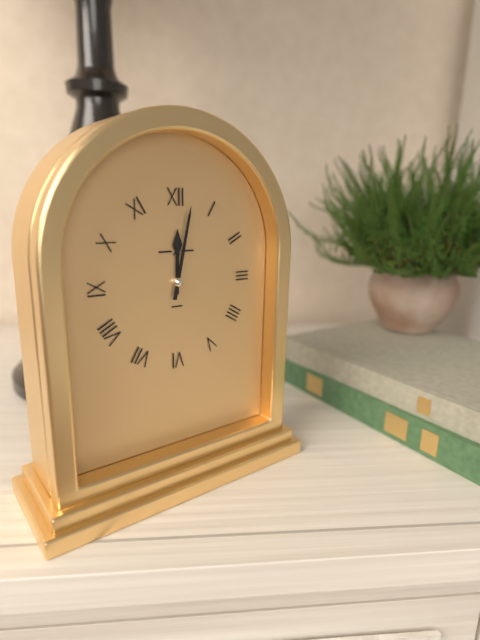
12 h 02 min
